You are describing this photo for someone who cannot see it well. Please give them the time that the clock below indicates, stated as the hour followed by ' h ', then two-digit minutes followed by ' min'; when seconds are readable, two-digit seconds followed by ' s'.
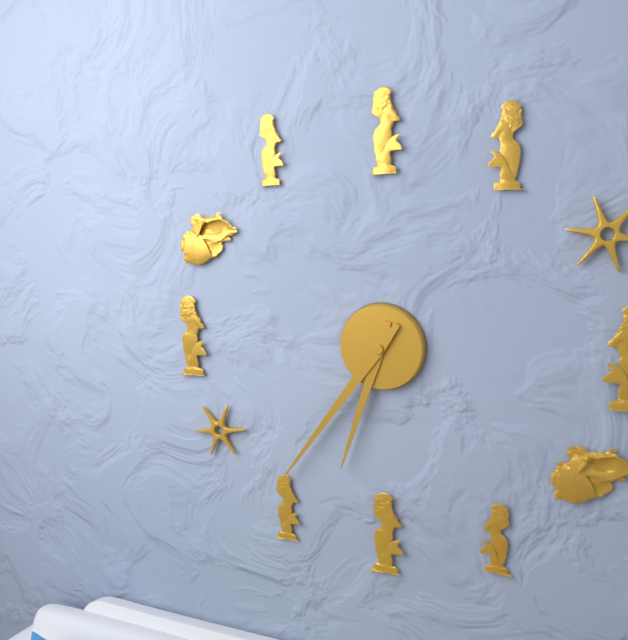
6 h 36 min
